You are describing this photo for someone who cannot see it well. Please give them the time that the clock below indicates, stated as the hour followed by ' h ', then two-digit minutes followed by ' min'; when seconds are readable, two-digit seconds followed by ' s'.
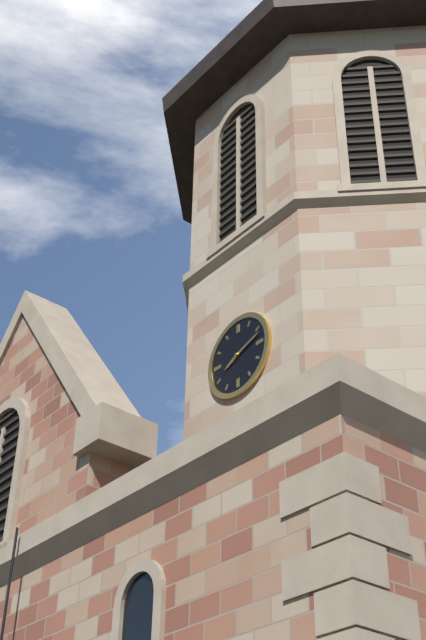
8 h 12 min
